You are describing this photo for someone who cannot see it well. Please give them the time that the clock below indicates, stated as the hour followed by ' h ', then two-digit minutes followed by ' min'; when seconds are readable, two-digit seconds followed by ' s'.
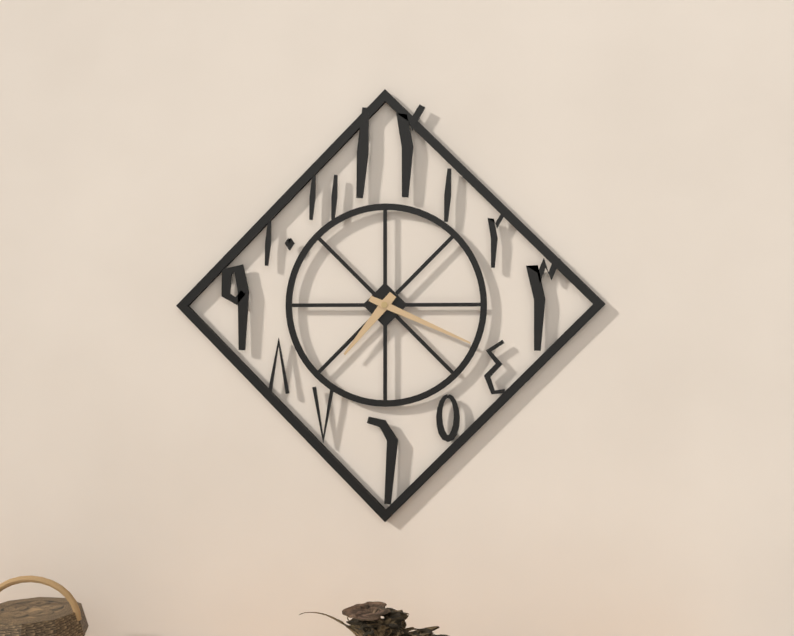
7 h 19 min
